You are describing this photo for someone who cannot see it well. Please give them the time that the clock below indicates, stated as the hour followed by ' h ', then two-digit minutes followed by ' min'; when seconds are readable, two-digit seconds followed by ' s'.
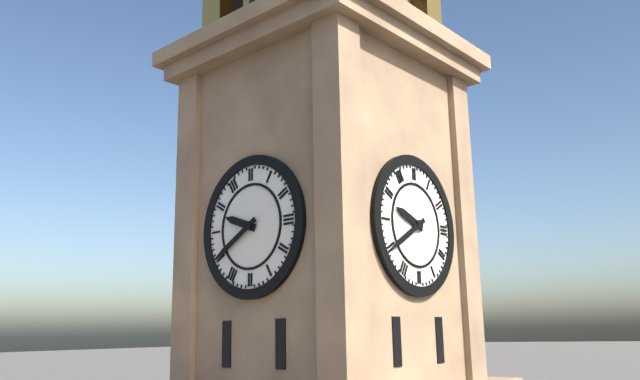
9 h 40 min
